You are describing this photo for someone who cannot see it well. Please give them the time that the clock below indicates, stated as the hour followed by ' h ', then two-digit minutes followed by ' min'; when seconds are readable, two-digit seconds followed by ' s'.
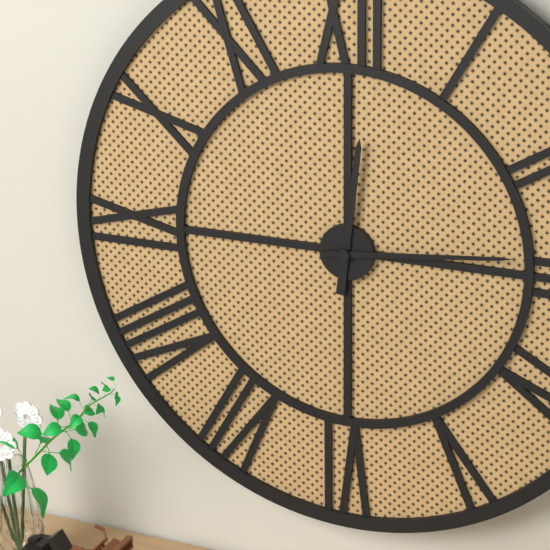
12 h 14 min
